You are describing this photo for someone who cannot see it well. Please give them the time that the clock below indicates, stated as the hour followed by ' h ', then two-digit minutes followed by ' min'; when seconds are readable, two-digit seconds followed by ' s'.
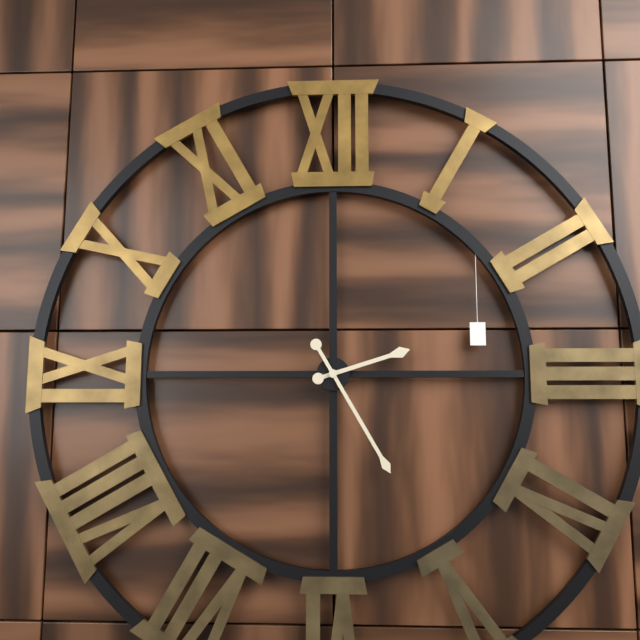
2 h 25 min
